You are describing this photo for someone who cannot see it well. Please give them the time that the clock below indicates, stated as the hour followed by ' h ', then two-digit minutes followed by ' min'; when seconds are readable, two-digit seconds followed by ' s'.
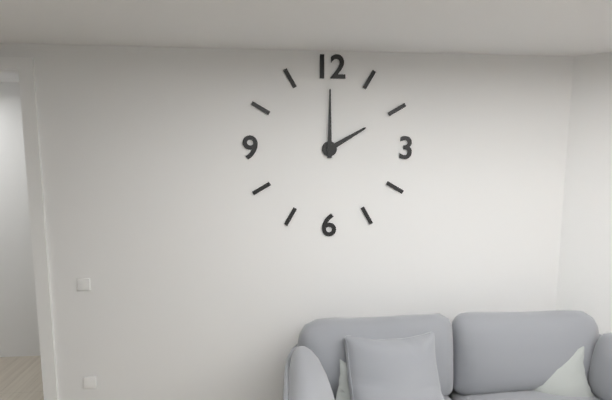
2 h 00 min
